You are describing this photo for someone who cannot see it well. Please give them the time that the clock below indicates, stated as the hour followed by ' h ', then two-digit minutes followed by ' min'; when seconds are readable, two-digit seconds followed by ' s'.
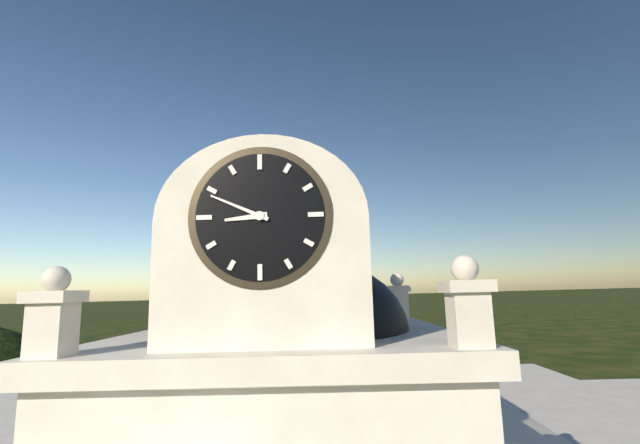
8 h 49 min
